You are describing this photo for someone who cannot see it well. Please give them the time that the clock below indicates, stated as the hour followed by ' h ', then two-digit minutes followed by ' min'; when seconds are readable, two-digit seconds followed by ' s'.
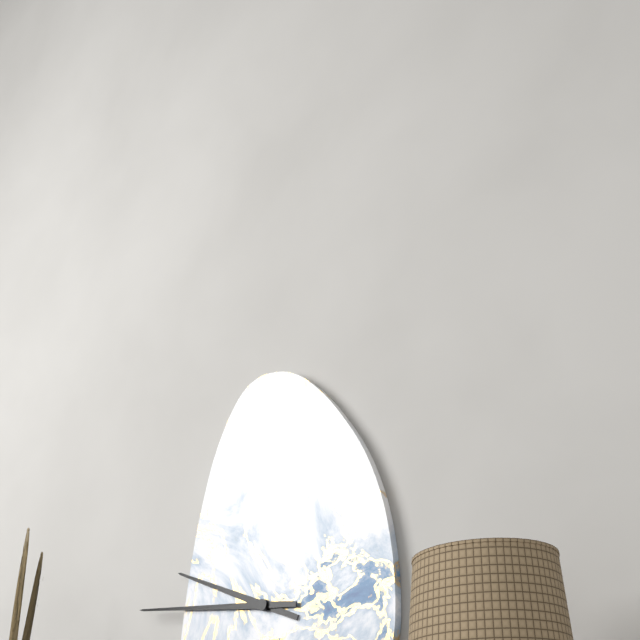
9 h 46 min
